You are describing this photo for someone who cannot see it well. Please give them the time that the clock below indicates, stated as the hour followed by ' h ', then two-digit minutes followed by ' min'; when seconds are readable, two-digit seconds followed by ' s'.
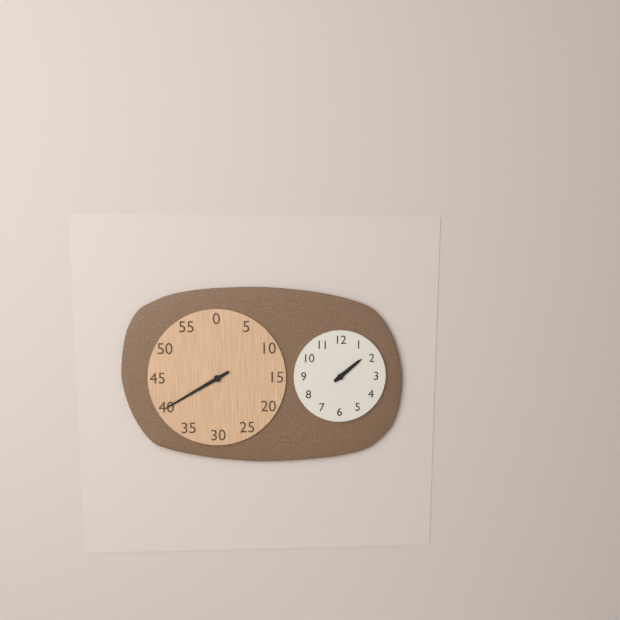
1 h 40 min
